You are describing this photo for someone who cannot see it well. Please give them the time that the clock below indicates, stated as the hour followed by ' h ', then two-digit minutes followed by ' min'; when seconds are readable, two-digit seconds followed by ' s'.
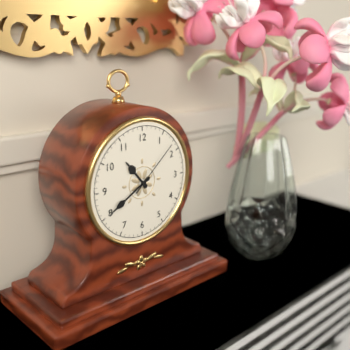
10 h 40 min 08 s
